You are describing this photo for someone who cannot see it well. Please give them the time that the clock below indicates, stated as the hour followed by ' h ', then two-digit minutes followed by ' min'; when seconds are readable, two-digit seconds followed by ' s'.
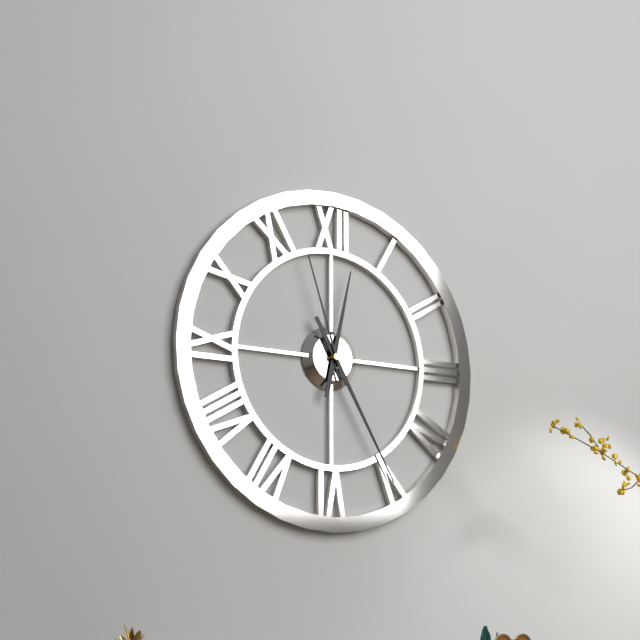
12 h 25 min 57 s
